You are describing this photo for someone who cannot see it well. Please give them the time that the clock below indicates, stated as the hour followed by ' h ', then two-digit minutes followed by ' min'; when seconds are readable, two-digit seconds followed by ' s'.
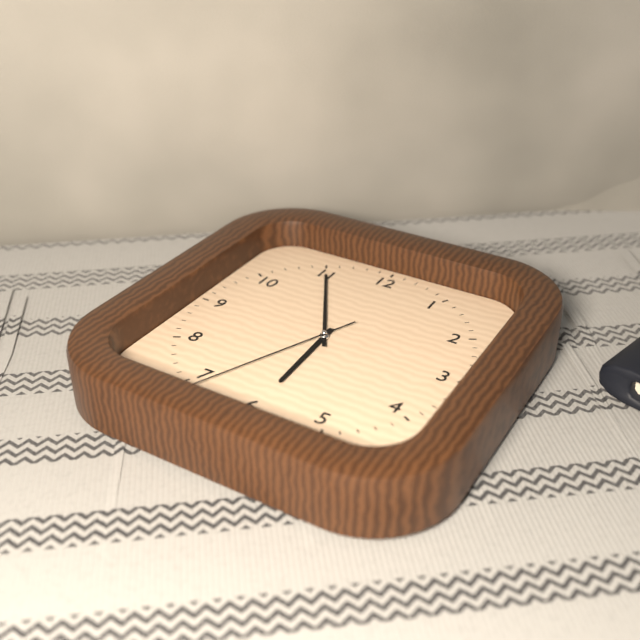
5 h 55 min 34 s
